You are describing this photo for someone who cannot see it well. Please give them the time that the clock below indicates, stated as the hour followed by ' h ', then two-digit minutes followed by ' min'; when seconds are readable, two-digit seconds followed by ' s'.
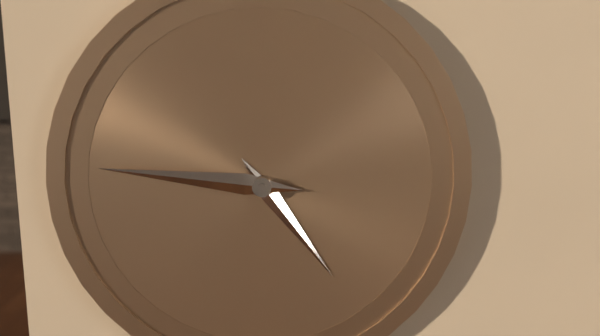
4 h 46 min
